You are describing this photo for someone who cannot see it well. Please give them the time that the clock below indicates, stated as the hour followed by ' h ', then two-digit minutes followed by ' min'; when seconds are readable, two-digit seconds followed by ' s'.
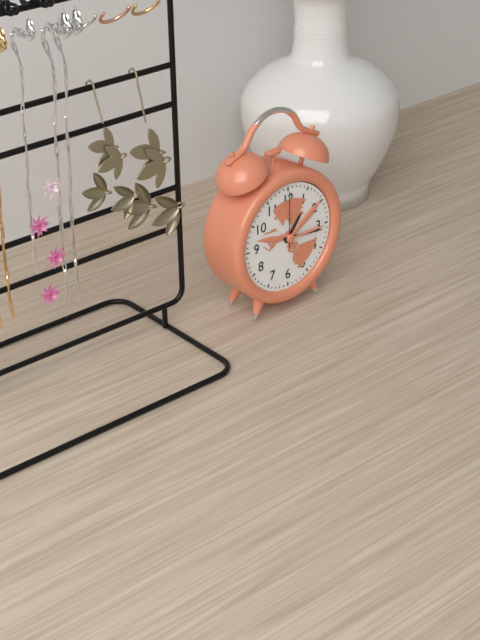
1 h 16 min 00 s
